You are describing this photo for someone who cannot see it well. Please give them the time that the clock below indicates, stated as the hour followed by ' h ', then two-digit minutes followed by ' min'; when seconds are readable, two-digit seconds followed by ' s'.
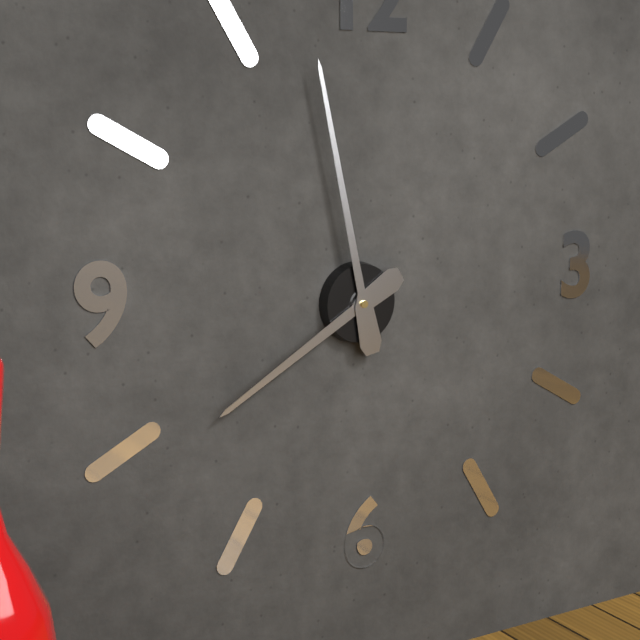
7 h 58 min
